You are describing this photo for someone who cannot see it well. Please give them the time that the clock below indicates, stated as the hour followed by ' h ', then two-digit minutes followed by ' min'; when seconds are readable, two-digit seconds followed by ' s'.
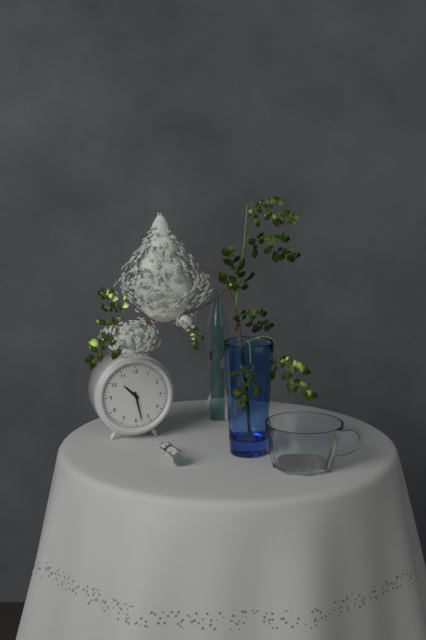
10 h 28 min
